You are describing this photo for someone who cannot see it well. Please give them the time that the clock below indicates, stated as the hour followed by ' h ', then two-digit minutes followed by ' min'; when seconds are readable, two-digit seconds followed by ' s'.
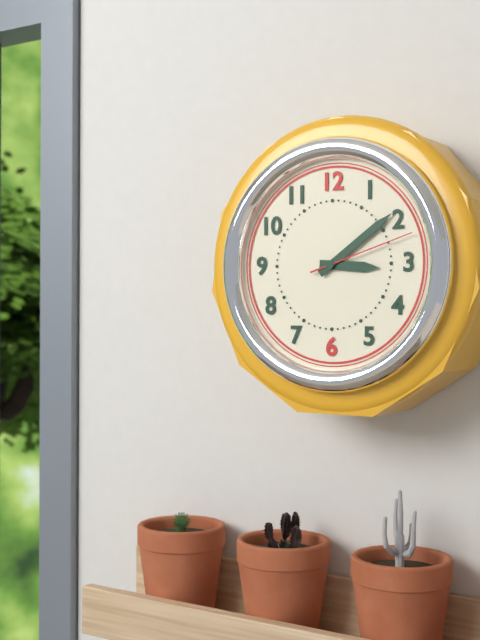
3 h 09 min 12 s
